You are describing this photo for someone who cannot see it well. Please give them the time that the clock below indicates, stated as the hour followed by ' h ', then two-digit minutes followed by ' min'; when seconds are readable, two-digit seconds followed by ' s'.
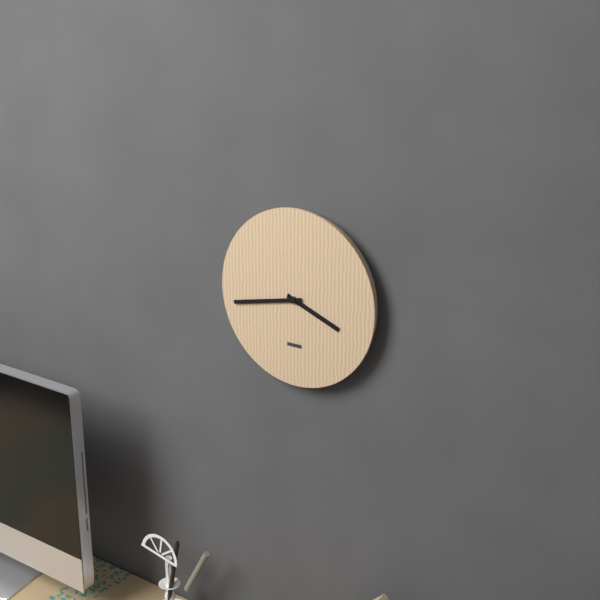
3 h 43 min
